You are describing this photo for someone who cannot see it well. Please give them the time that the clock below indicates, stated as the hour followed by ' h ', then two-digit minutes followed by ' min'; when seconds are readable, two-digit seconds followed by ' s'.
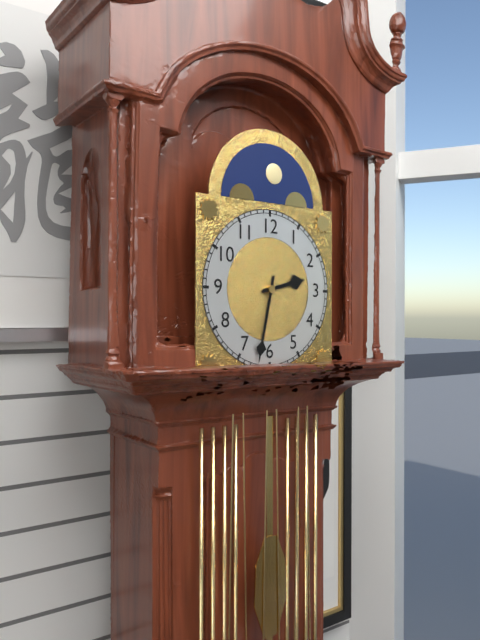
2 h 32 min
